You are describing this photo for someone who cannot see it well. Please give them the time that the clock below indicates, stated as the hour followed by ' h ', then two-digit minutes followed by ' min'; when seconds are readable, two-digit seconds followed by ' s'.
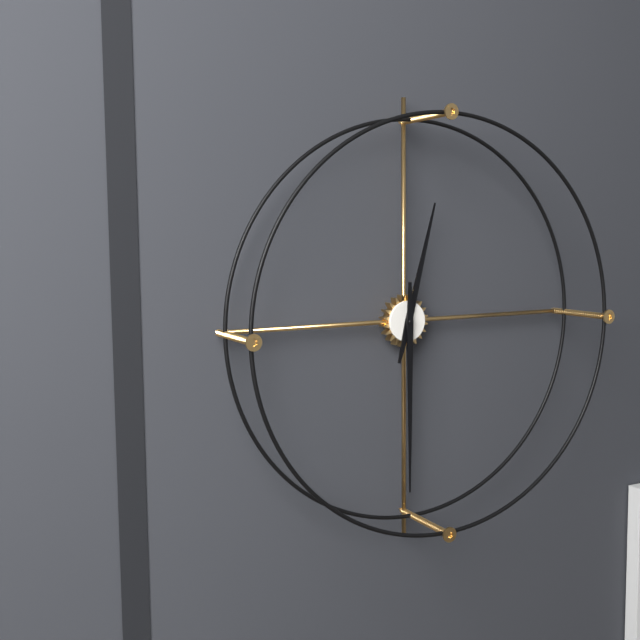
12 h 30 min
